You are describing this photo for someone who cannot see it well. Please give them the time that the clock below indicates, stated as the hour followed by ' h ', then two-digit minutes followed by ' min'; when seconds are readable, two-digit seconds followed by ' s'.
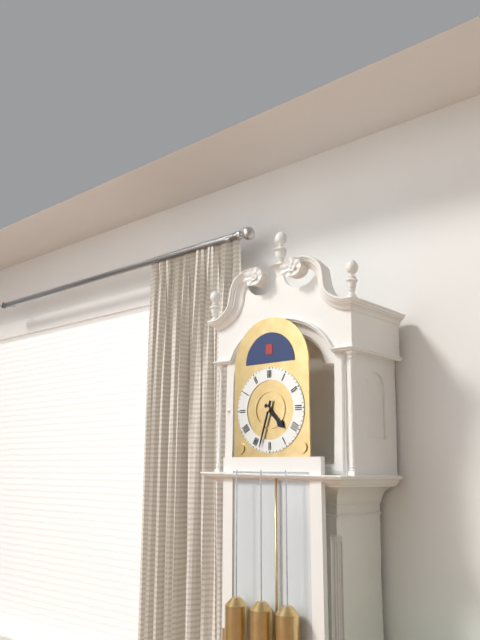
4 h 33 min
